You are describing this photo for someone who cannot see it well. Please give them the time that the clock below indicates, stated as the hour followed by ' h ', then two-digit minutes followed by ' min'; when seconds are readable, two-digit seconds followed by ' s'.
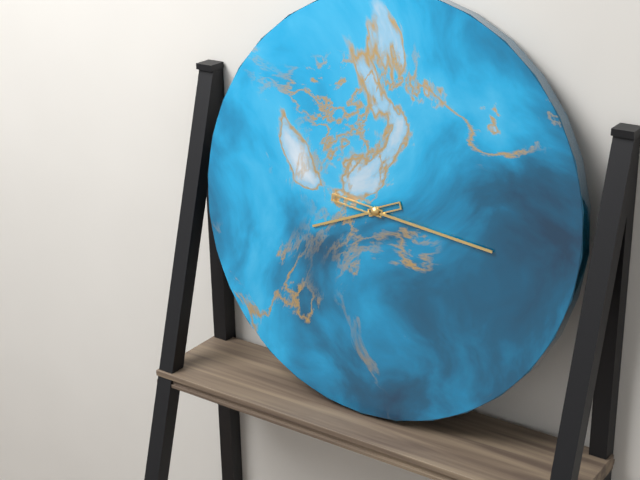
8 h 16 min
